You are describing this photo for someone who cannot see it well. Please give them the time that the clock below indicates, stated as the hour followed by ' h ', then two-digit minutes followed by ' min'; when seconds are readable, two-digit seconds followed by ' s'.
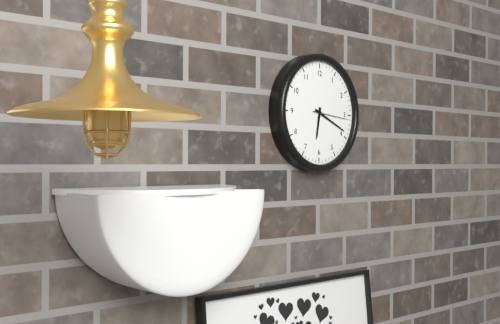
6 h 19 min
